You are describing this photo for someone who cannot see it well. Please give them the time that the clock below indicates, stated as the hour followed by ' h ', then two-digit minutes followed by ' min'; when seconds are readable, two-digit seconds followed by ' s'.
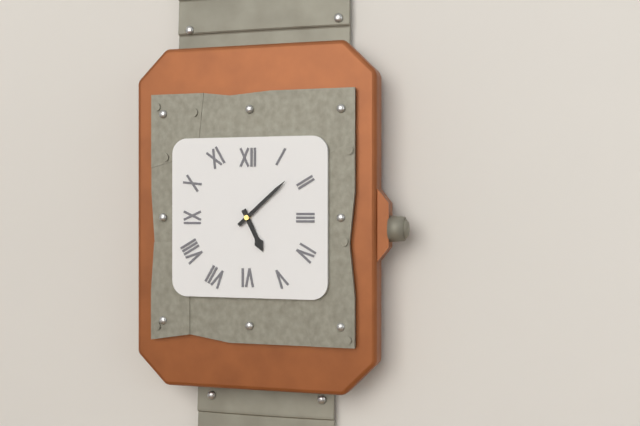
5 h 08 min
